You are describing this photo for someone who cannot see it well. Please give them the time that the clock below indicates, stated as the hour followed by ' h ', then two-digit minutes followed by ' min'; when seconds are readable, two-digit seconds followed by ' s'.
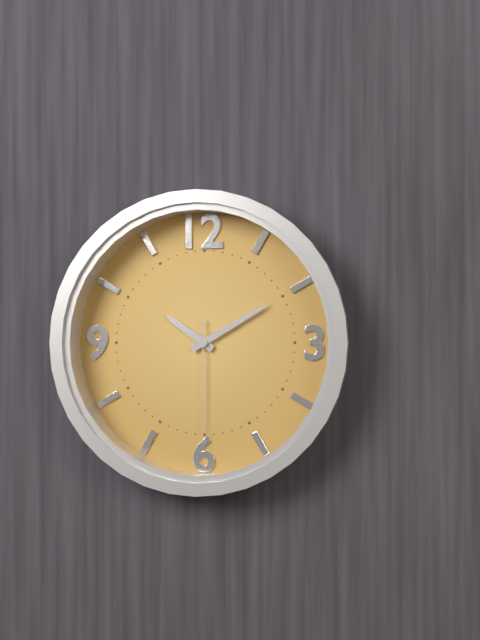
10 h 10 min 30 s
